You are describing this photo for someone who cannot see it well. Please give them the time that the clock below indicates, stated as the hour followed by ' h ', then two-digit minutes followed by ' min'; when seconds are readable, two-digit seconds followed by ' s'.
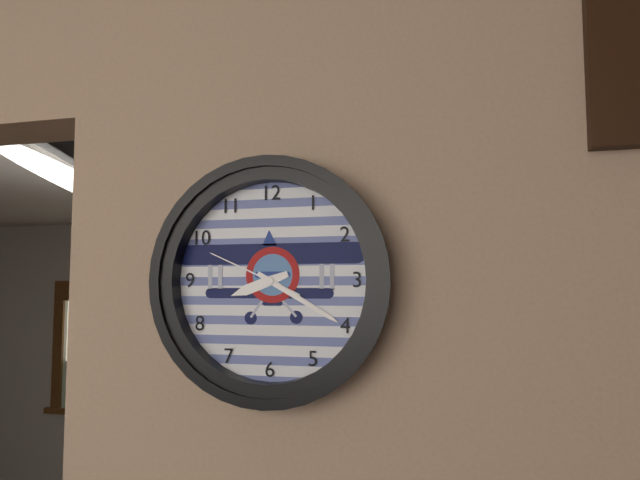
8 h 20 min 49 s
